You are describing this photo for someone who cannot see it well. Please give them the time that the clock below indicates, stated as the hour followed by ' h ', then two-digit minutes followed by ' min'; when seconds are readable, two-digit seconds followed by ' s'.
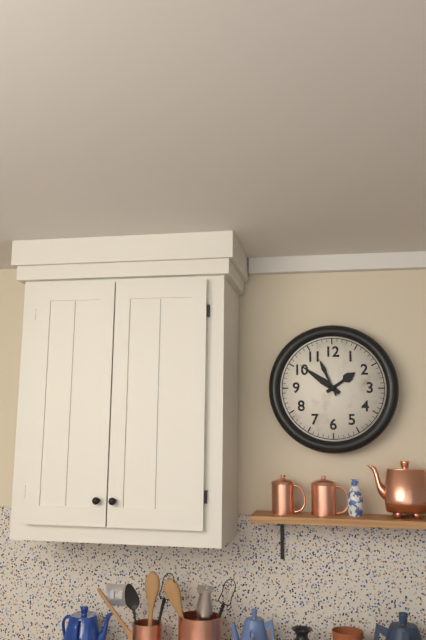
1 h 51 min
